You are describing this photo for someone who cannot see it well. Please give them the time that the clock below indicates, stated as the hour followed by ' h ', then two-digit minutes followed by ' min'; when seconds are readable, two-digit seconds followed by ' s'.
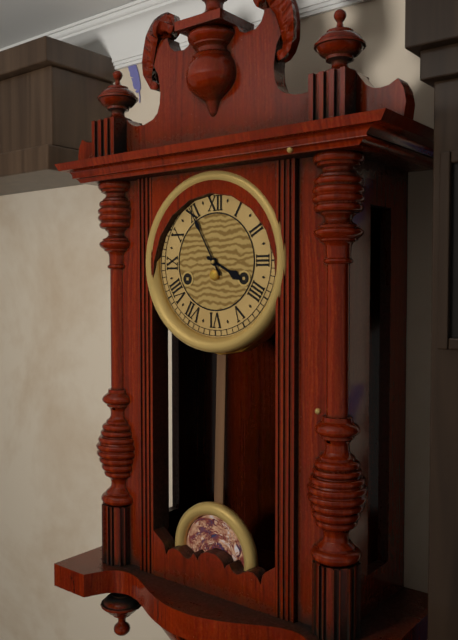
3 h 55 min
